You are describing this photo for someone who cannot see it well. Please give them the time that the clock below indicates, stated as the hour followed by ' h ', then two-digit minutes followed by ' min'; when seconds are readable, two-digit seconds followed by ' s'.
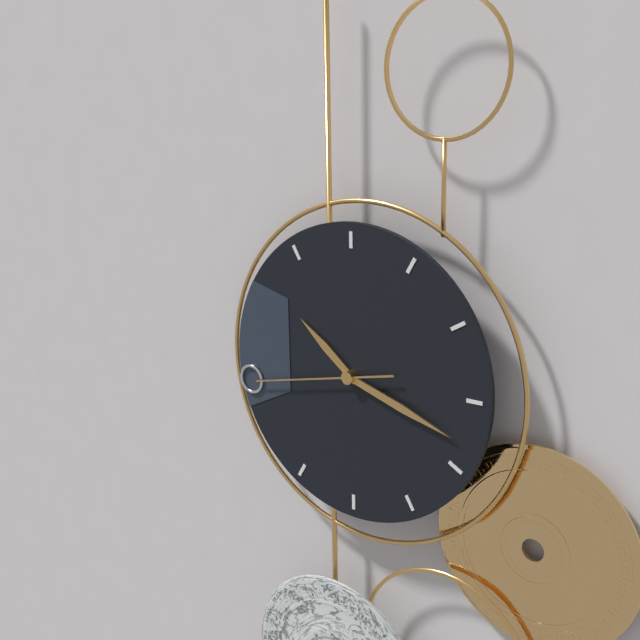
10 h 18 min 43 s
